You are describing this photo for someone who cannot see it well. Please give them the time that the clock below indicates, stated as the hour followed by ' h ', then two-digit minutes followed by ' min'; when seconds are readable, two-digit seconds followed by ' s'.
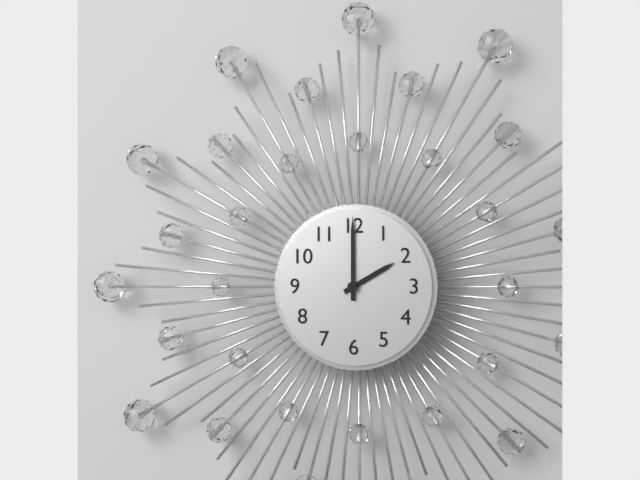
2 h 00 min
